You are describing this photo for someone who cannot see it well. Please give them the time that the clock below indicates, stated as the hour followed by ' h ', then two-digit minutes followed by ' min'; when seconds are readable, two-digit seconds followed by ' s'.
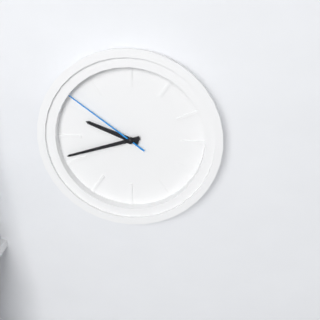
9 h 42 min 51 s
